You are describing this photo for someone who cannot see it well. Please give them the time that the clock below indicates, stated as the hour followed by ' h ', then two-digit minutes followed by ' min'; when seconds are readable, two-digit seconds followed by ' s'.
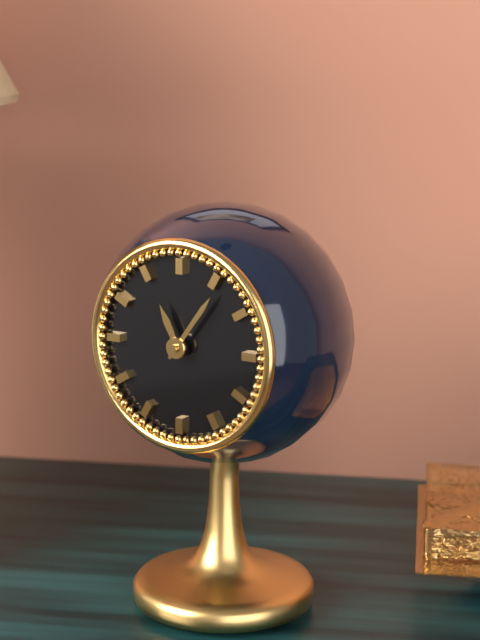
11 h 06 min
